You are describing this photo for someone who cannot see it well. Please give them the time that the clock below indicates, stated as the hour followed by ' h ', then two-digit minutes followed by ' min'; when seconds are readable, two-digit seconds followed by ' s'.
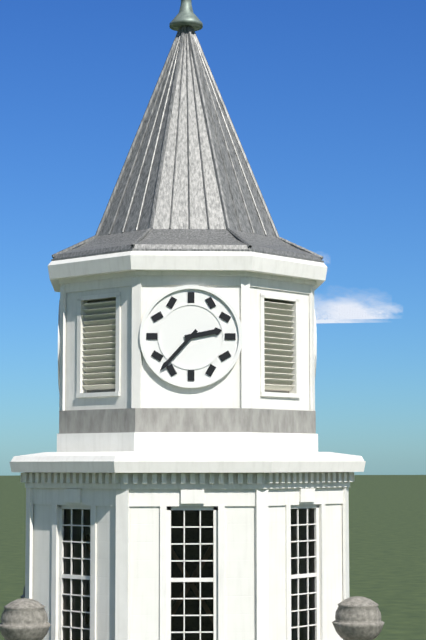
2 h 37 min
